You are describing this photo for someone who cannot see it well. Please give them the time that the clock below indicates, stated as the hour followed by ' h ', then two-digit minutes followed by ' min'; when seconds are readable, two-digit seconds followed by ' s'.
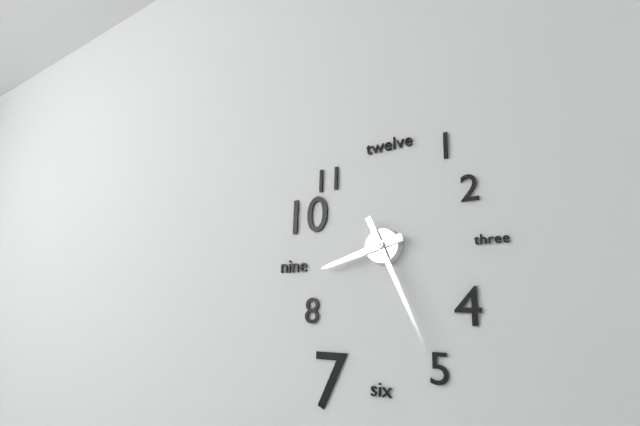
8 h 26 min
